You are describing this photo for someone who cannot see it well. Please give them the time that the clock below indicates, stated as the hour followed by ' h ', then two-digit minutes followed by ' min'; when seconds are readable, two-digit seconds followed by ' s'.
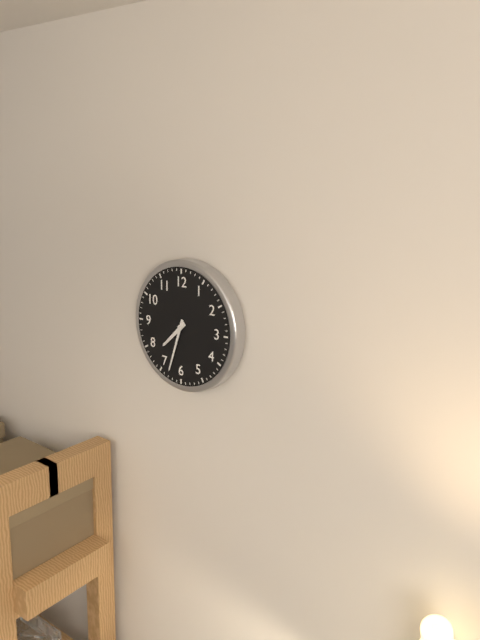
7 h 33 min
